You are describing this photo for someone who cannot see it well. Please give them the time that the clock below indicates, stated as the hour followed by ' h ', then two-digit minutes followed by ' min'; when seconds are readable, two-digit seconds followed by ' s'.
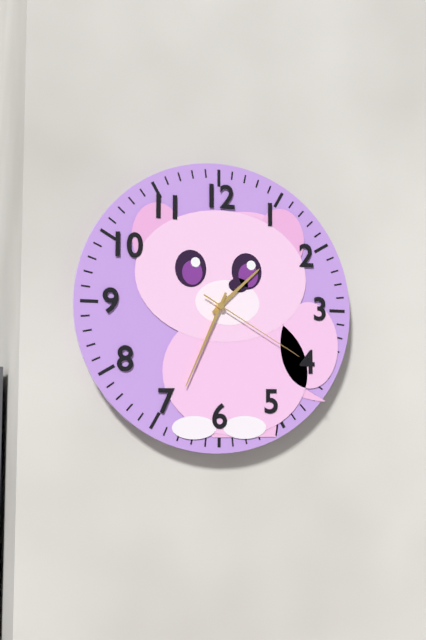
1 h 34 min 20 s
